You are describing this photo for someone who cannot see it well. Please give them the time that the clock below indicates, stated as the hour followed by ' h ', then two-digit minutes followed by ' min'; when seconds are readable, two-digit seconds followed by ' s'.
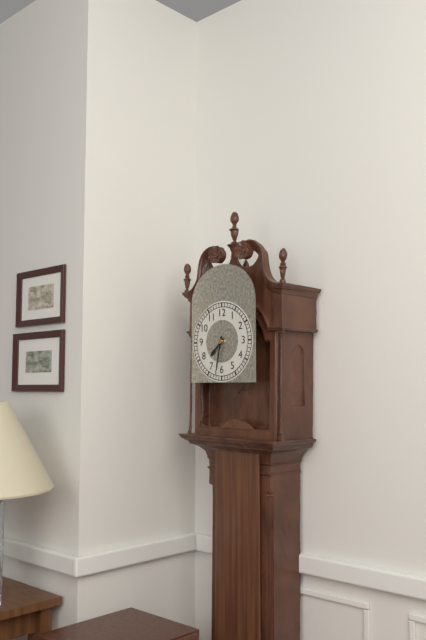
7 h 32 min
